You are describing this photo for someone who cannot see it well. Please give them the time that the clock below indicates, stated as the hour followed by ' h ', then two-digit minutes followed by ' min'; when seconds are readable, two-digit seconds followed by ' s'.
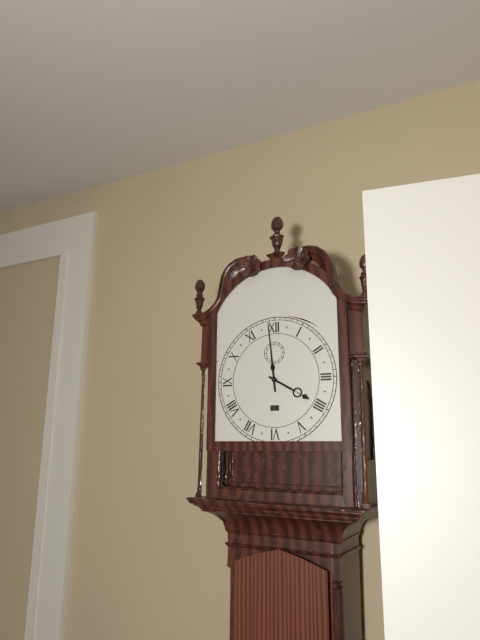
3 h 59 min
